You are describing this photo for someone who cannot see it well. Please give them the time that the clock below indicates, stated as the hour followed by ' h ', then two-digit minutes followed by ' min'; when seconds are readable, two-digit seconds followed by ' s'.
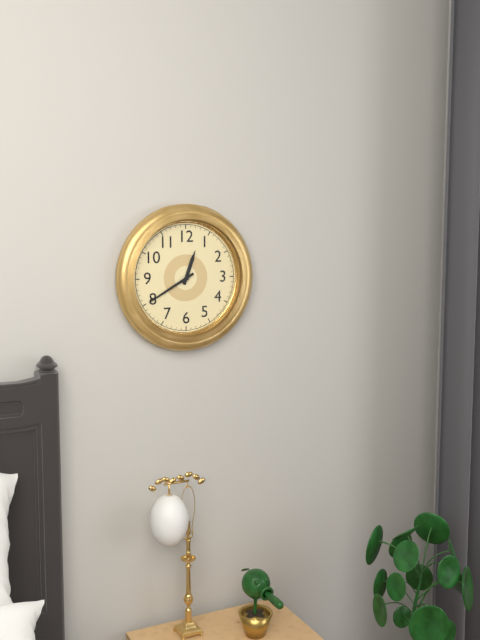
12 h 40 min
